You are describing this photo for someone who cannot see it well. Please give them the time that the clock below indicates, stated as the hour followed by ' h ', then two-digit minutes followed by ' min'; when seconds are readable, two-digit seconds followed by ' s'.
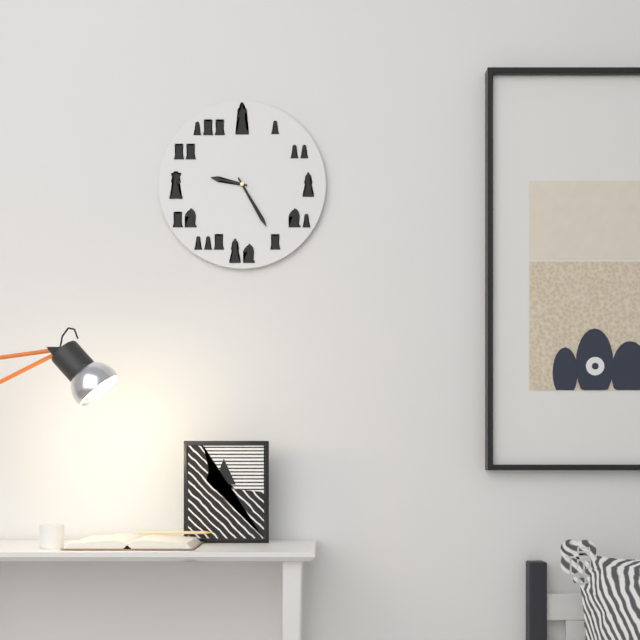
9 h 25 min
